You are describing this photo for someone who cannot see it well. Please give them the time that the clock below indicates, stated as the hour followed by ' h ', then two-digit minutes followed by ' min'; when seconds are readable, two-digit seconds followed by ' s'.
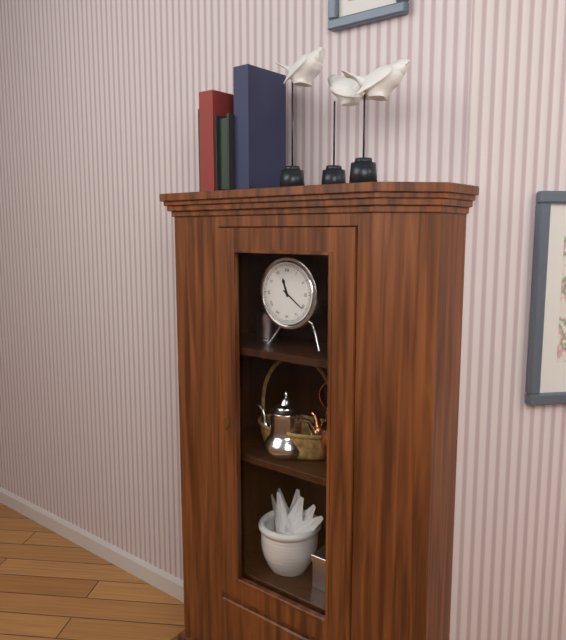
11 h 21 min
